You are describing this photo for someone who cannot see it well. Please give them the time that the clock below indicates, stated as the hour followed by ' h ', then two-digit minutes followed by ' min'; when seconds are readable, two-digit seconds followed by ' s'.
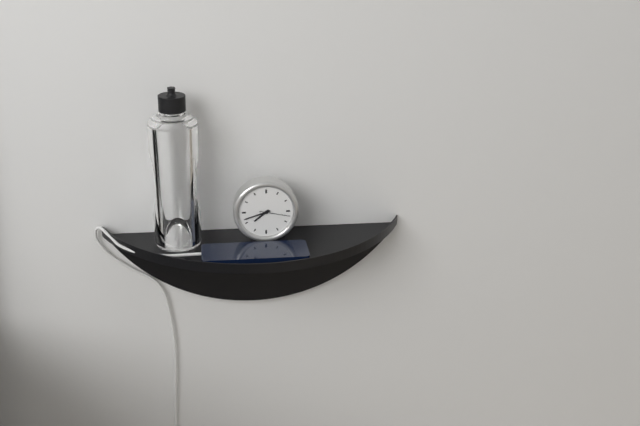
7 h 42 min
